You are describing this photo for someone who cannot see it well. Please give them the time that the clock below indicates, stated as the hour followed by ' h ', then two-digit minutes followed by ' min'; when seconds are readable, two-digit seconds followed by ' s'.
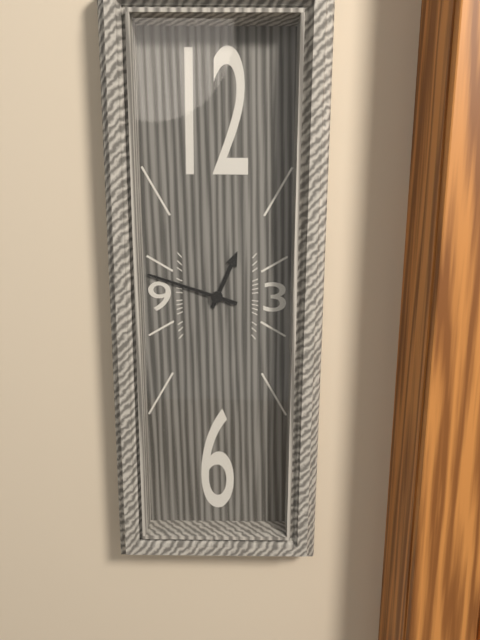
12 h 48 min
